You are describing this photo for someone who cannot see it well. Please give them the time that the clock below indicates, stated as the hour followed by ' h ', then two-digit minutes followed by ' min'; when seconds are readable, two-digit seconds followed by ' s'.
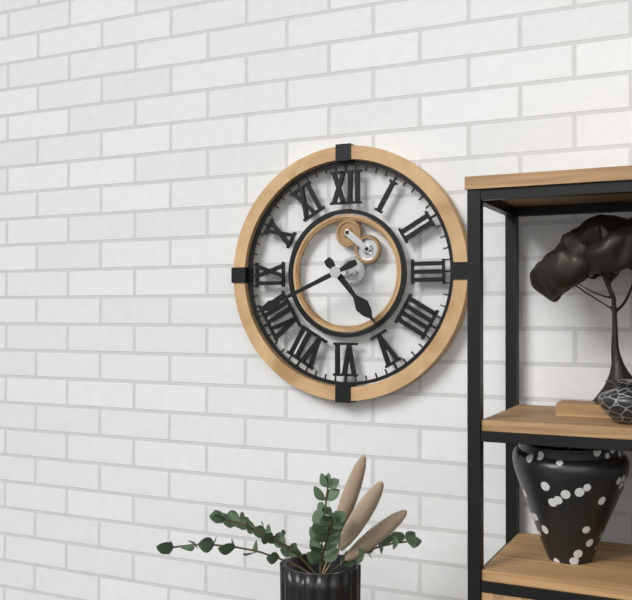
4 h 41 min
